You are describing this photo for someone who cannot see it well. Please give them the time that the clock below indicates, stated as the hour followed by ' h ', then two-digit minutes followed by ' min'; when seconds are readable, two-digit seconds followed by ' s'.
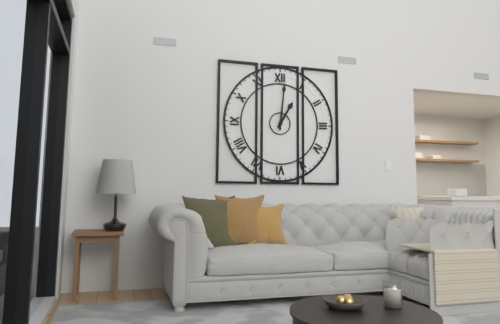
1 h 01 min
